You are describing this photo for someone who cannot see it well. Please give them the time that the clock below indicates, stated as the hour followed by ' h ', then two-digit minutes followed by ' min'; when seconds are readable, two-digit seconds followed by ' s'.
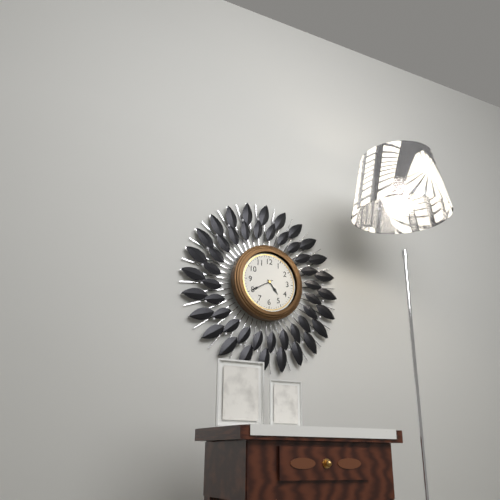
4 h 40 min
